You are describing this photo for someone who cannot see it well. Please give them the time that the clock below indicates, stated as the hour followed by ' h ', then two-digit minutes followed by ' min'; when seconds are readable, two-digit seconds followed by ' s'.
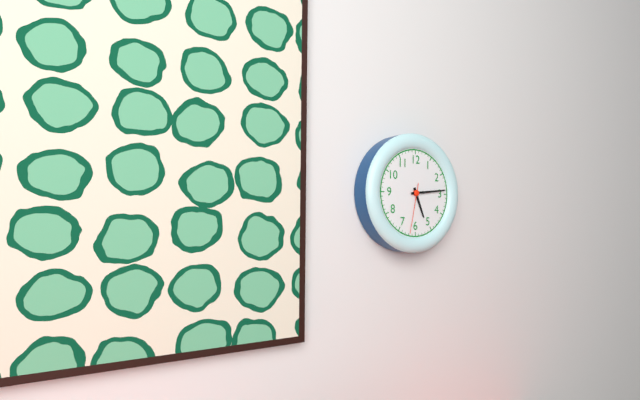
5 h 14 min 32 s
